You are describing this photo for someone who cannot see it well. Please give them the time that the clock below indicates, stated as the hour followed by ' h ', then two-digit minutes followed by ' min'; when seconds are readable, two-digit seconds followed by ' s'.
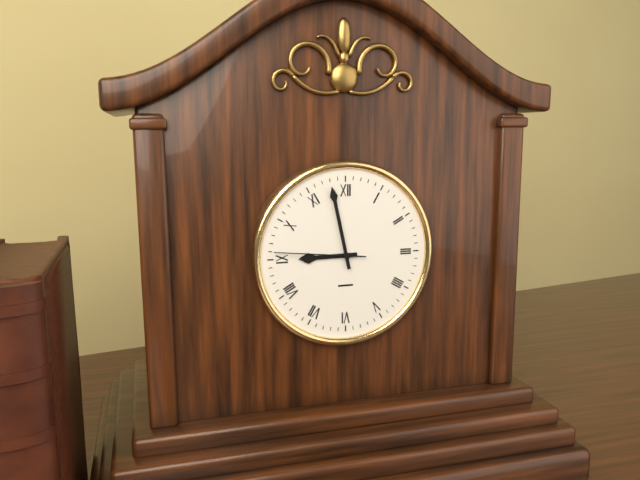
8 h 58 min 46 s
